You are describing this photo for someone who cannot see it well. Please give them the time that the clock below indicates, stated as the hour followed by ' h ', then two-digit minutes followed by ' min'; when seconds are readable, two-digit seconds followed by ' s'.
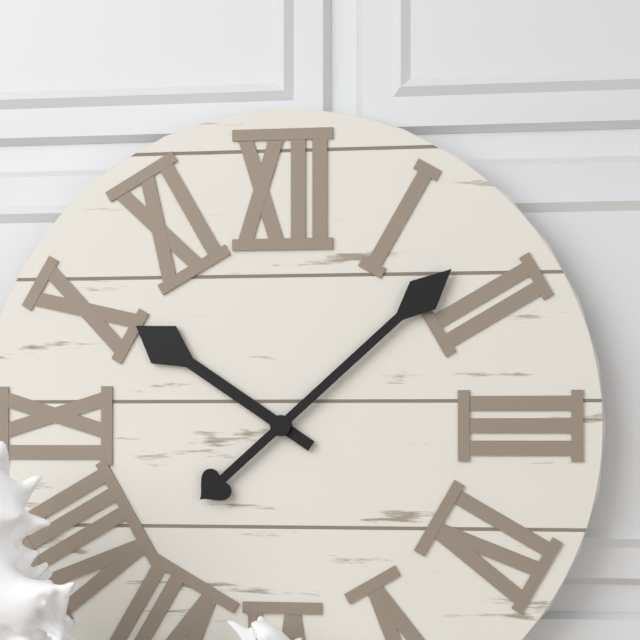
10 h 08 min
